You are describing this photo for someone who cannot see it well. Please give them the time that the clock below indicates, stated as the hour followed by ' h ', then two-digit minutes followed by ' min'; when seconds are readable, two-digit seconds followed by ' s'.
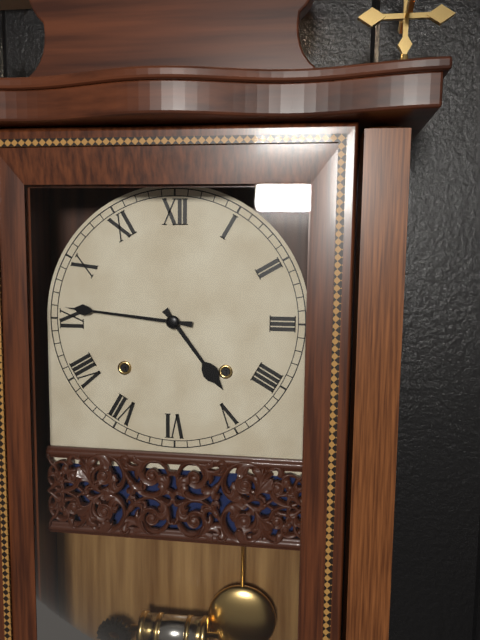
4 h 46 min
